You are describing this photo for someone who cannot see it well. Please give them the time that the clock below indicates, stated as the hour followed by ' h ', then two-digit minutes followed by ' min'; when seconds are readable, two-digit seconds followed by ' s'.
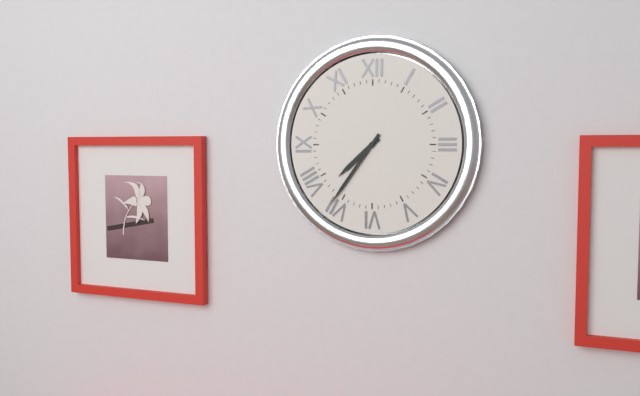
7 h 36 min
